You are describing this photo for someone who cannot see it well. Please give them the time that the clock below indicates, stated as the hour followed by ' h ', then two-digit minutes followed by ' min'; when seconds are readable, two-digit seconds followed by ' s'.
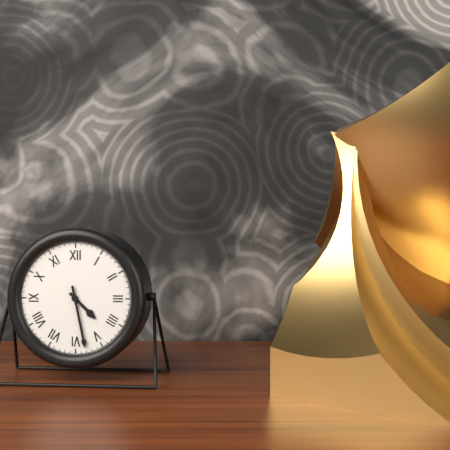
4 h 28 min
